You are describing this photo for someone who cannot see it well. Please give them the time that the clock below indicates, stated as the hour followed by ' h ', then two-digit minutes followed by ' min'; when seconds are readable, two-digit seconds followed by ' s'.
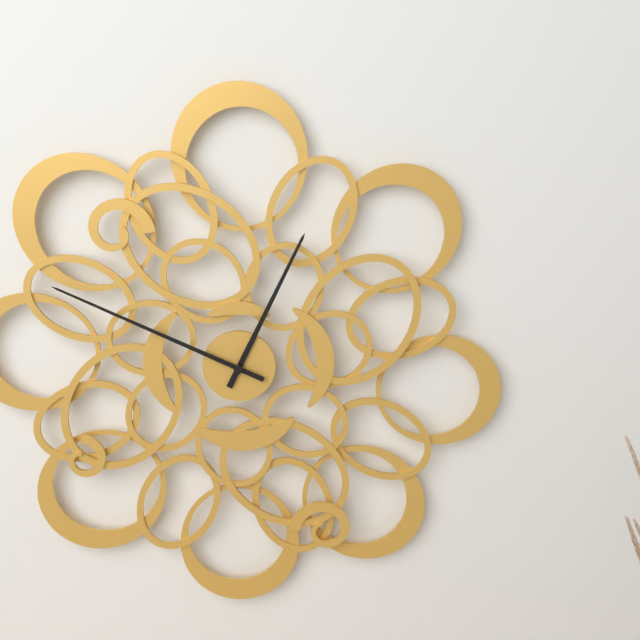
12 h 49 min
